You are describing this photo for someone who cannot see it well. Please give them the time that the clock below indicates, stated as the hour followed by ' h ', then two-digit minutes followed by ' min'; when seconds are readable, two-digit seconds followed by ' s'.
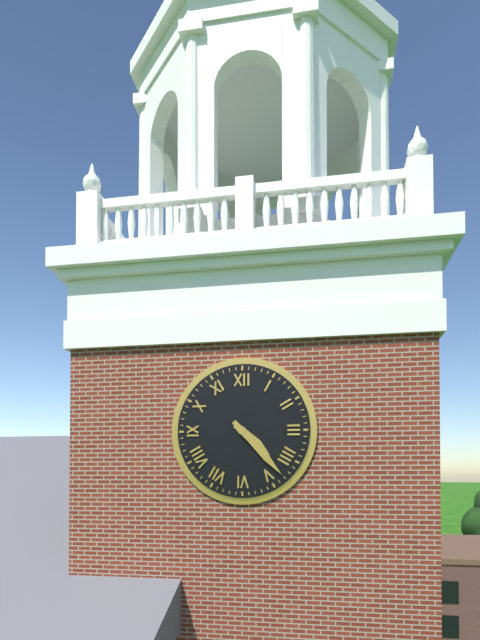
4 h 23 min
